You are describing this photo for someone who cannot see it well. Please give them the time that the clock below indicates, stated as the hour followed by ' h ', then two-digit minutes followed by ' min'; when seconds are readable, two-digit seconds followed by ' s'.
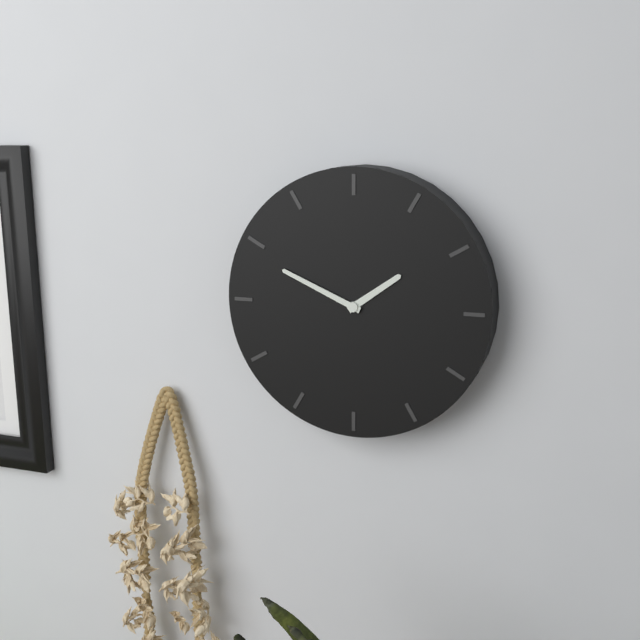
1 h 49 min
